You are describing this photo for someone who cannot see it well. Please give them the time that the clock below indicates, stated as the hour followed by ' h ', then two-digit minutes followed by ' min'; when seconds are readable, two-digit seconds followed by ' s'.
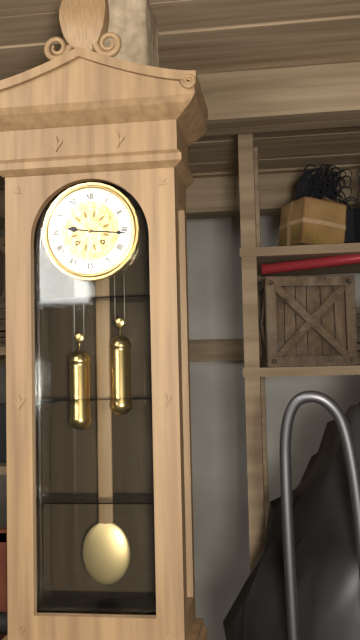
9 h 16 min
